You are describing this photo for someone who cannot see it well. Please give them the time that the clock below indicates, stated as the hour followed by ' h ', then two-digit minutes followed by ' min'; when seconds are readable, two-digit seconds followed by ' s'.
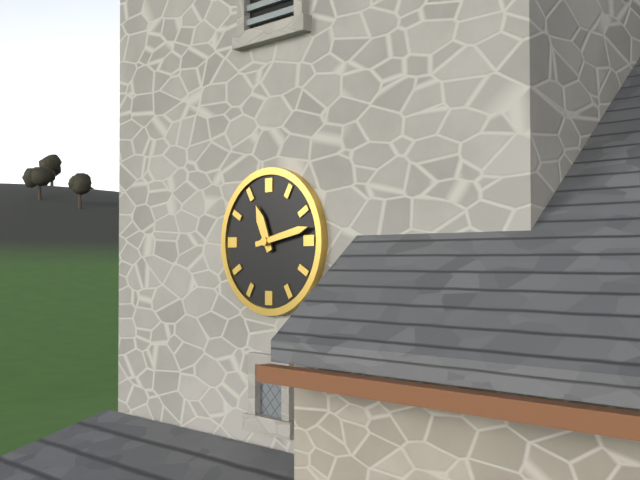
11 h 13 min
